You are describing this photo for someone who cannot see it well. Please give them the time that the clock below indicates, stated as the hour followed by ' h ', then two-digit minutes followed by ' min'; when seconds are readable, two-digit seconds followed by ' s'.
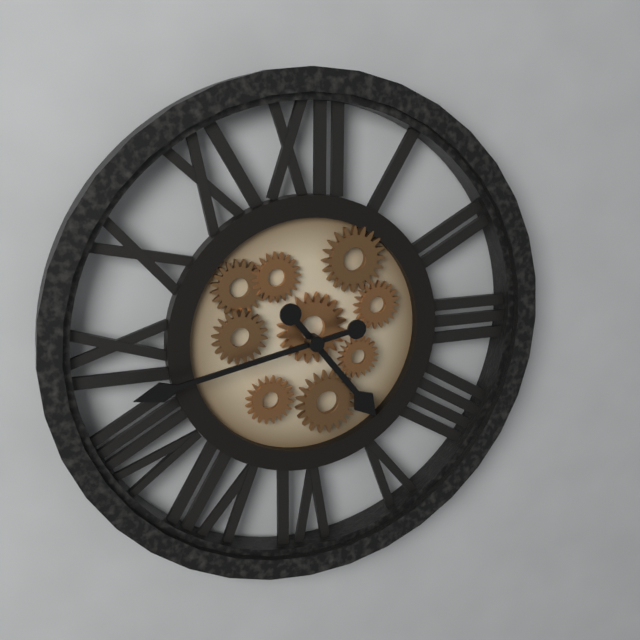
4 h 43 min
